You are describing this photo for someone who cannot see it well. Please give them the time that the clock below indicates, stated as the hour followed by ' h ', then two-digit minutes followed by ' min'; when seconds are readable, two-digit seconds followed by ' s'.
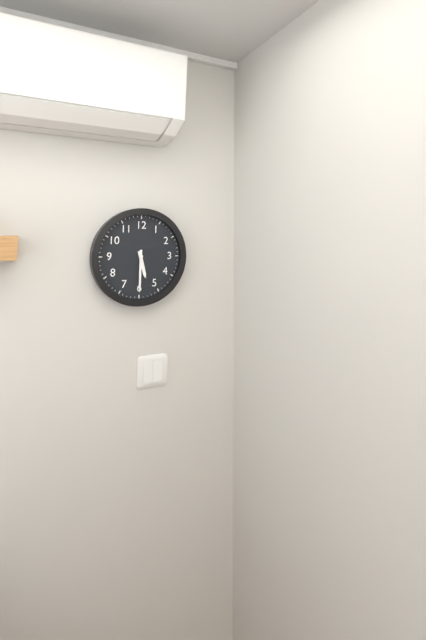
5 h 30 min
